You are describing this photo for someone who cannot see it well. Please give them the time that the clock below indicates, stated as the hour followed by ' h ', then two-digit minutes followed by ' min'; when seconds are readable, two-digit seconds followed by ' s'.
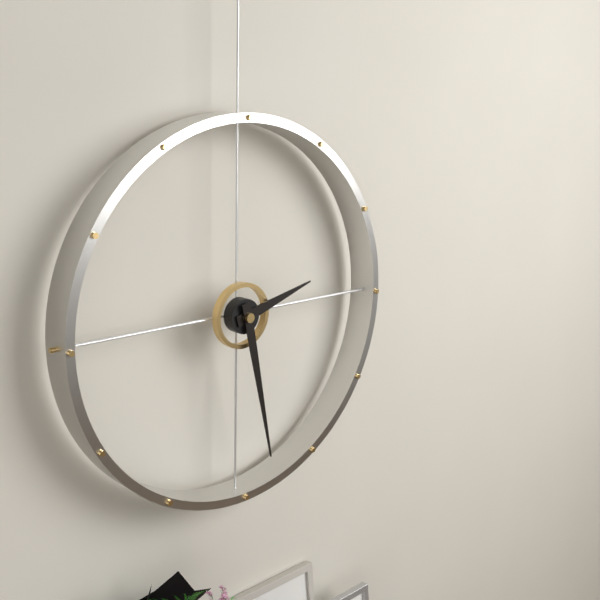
2 h 28 min
